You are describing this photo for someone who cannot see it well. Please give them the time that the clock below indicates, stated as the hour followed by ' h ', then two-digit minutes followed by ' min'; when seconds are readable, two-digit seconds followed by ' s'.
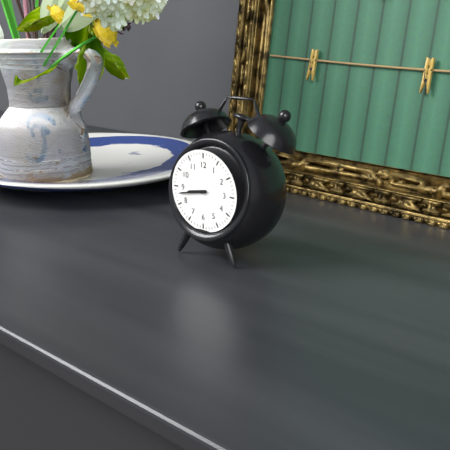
8 h 43 min
